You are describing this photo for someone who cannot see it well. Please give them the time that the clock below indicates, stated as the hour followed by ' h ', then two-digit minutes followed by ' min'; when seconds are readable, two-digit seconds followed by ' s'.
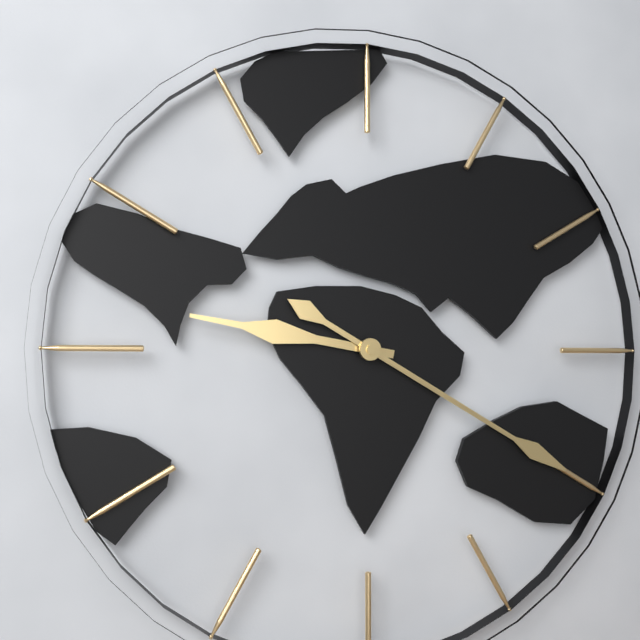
9 h 20 min
